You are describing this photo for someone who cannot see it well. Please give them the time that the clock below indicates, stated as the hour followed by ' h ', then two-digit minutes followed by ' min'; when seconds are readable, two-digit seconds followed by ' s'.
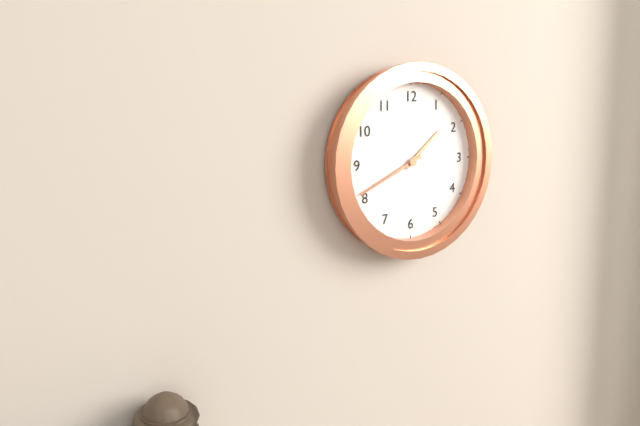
1 h 41 min
